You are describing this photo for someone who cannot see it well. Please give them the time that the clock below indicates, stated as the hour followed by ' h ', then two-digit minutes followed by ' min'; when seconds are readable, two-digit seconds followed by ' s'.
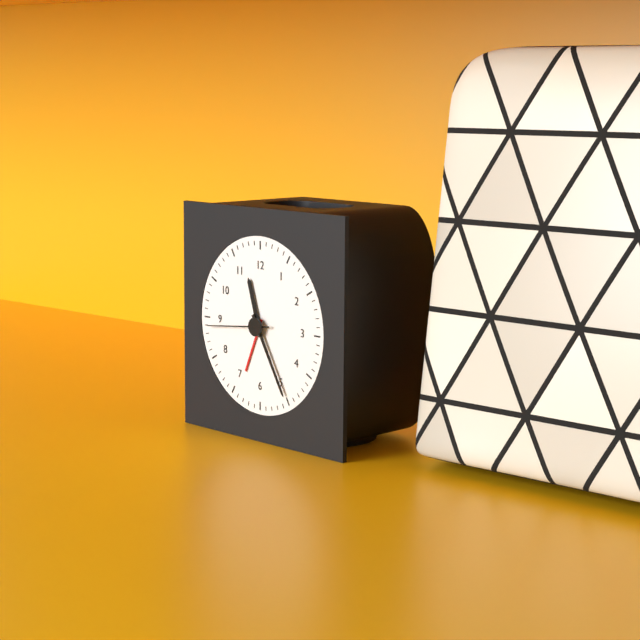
11 h 25 min 44 s
